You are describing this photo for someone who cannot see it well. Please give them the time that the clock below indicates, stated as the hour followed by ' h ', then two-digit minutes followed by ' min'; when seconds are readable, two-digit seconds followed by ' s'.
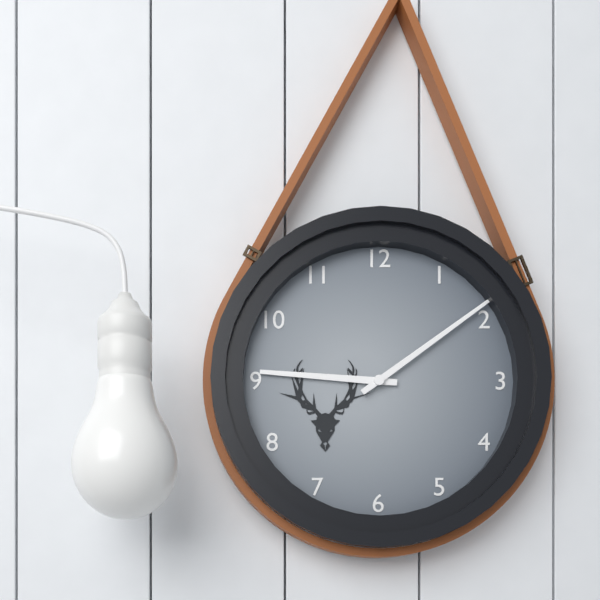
9 h 09 min
